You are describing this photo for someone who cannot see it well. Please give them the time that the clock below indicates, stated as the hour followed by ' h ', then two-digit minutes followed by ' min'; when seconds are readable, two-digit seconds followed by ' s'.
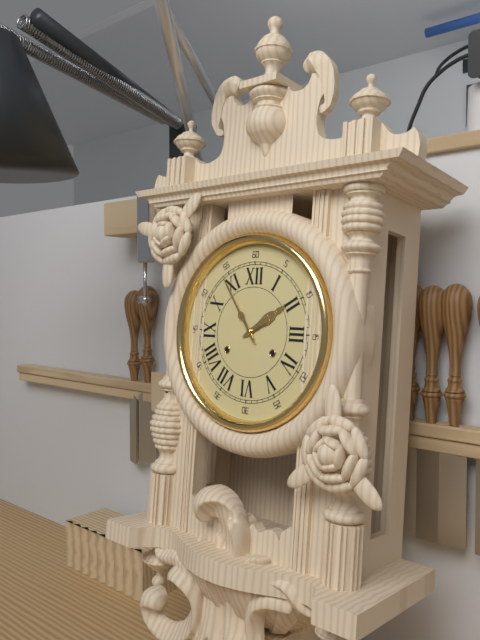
1 h 54 min
